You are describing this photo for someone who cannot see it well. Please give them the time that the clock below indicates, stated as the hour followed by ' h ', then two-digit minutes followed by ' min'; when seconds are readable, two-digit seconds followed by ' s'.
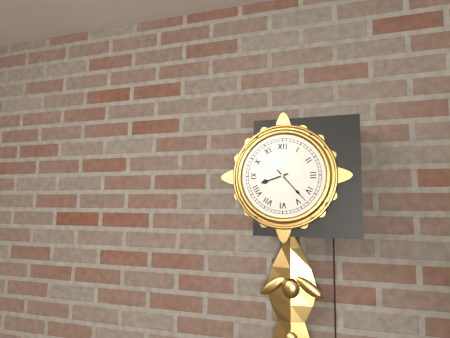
8 h 23 min
